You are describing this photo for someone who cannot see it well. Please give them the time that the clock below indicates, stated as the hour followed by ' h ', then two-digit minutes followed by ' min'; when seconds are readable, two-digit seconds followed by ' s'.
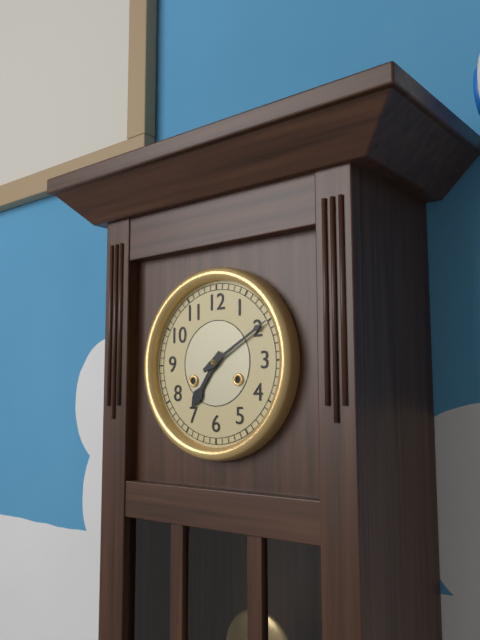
7 h 10 min
